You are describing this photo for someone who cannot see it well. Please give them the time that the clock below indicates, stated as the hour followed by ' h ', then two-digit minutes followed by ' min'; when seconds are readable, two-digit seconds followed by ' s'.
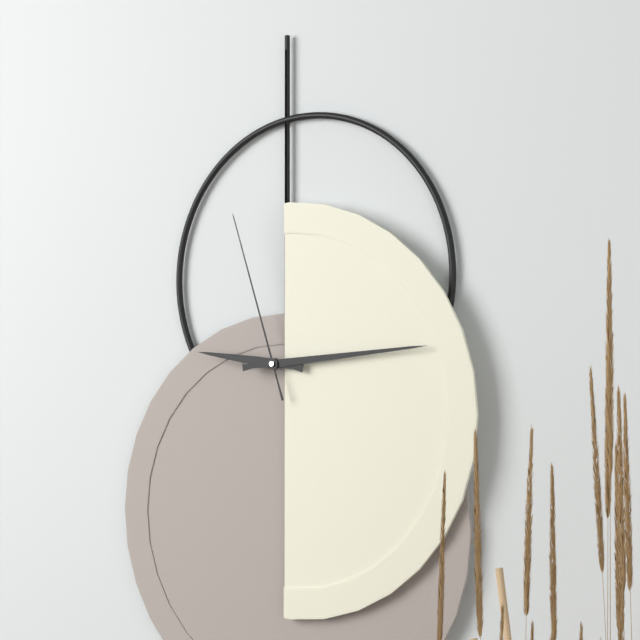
9 h 14 min 57 s
